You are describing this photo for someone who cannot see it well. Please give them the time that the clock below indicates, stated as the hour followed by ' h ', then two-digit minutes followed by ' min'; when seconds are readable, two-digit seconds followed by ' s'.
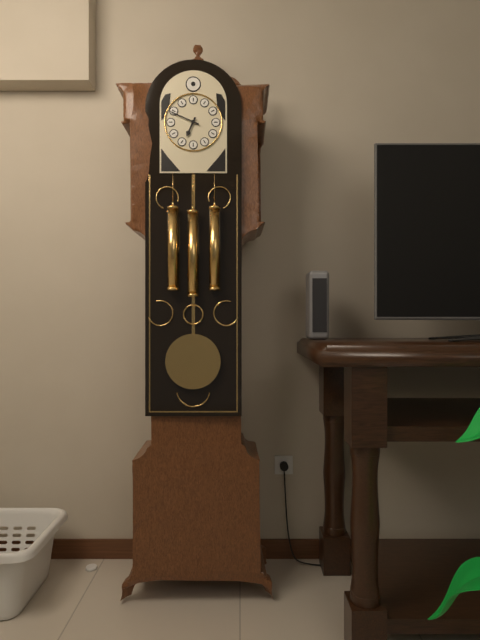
6 h 49 min
